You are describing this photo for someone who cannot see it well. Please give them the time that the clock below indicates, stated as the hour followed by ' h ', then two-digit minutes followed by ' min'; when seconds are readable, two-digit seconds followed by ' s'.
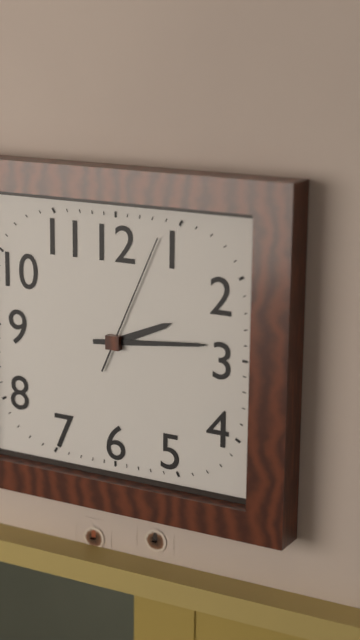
2 h 14 min 04 s
